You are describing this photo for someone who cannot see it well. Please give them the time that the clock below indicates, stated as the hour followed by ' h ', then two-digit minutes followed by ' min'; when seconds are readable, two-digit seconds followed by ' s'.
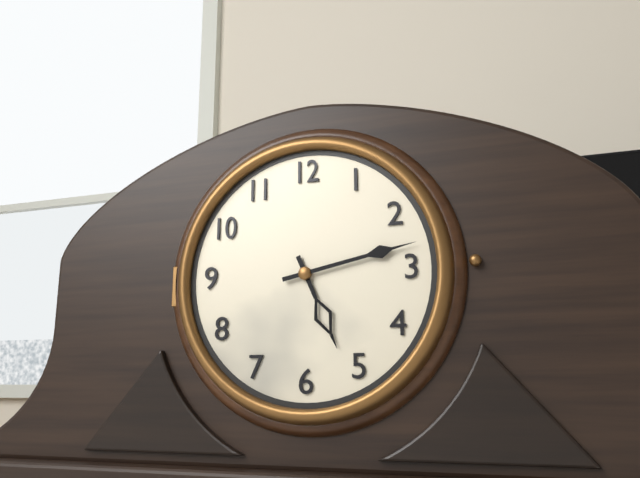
5 h 13 min
